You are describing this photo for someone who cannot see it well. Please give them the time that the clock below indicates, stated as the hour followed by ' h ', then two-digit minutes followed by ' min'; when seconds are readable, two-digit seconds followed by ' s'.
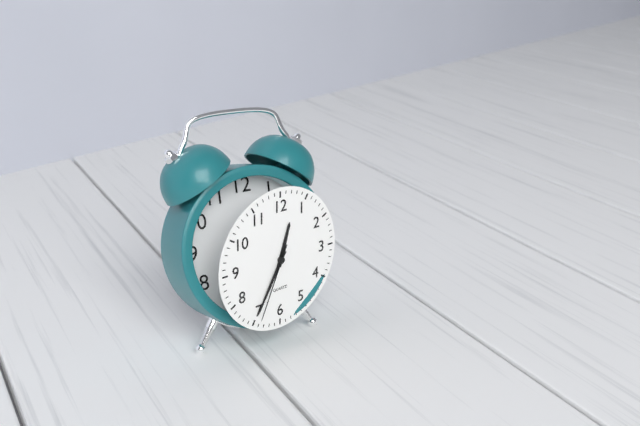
12 h 35 min 34 s
